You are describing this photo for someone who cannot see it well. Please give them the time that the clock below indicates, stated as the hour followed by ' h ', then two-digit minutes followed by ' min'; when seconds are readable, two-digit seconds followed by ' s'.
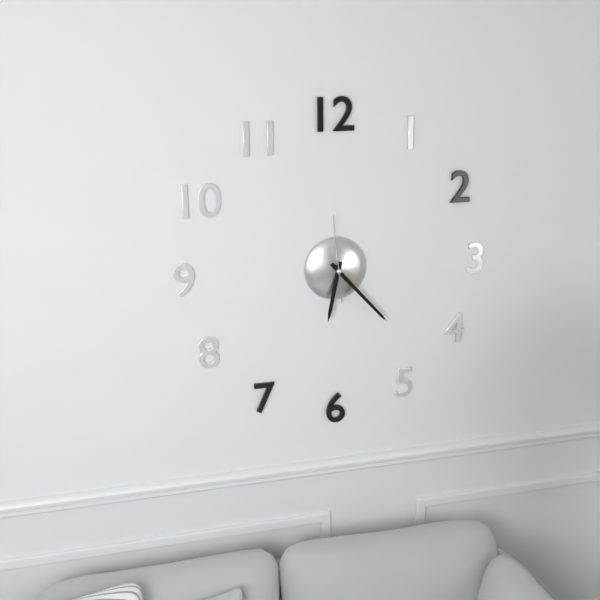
6 h 23 min 59 s
